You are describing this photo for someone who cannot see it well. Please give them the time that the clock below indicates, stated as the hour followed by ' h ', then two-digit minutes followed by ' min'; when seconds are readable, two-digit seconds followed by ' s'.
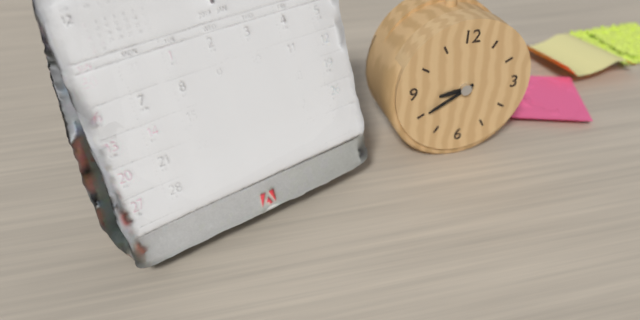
8 h 40 min
